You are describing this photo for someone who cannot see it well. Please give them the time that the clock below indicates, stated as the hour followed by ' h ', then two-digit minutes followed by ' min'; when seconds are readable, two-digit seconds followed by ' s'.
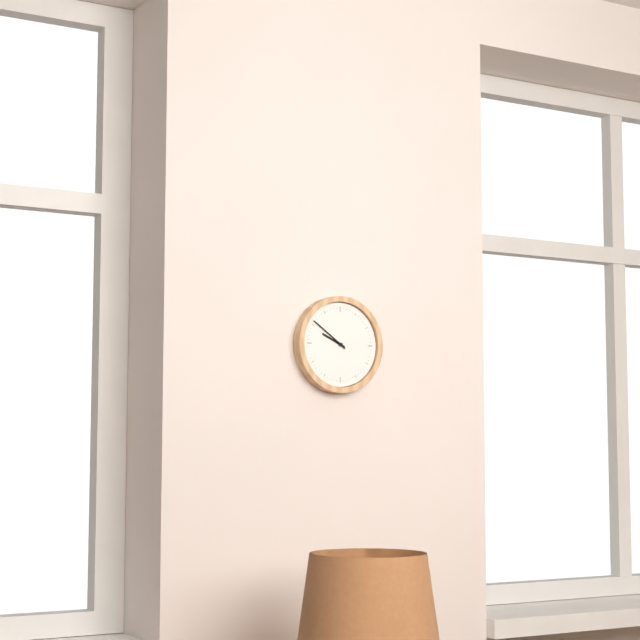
9 h 51 min
